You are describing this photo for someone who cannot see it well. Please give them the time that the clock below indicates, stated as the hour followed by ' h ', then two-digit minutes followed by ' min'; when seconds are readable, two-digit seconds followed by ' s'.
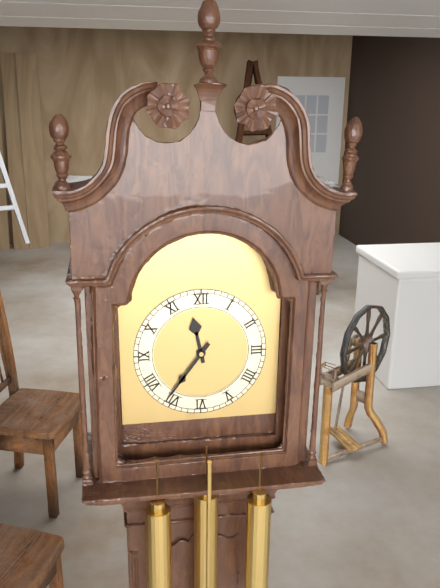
11 h 36 min
